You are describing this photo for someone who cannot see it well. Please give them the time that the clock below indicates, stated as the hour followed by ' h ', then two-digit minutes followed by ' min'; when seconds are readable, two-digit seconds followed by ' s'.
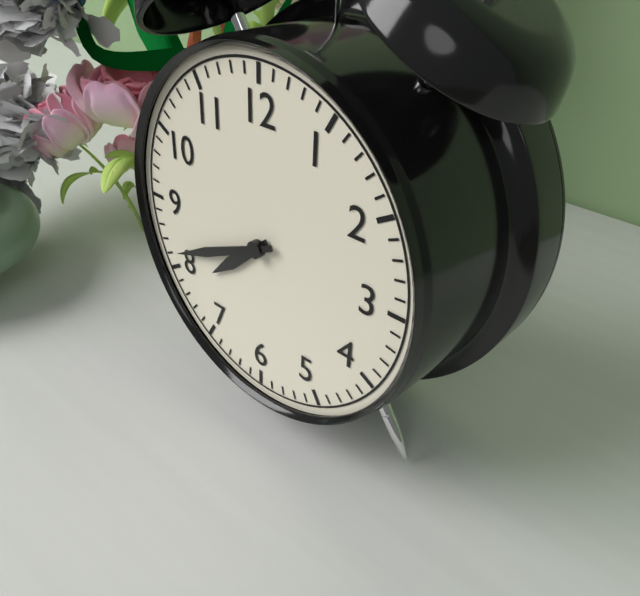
7 h 41 min
